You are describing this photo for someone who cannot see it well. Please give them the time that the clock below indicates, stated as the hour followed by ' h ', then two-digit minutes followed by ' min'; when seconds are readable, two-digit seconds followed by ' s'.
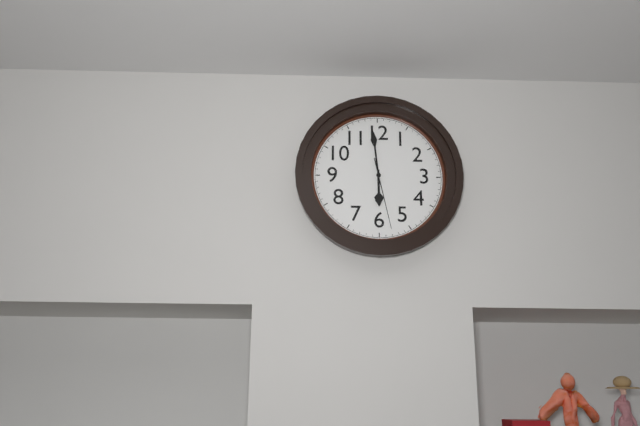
5 h 59 min 28 s
